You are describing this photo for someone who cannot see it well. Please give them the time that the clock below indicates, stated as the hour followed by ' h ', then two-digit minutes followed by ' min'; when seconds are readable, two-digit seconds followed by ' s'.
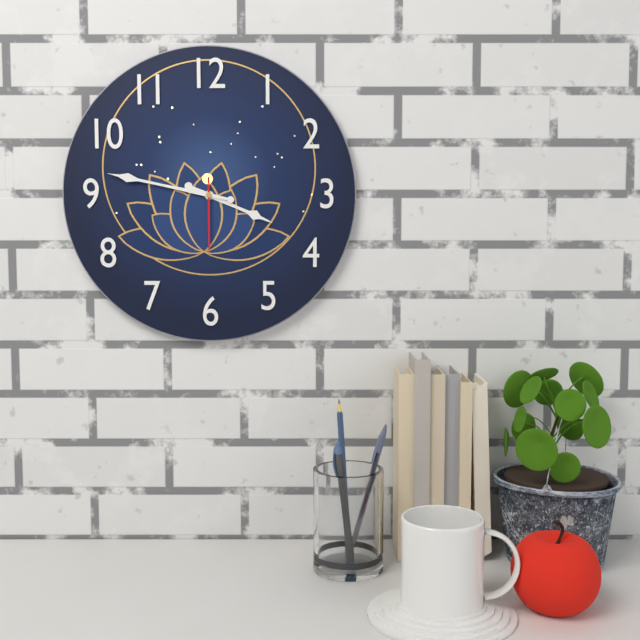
3 h 47 min 30 s
